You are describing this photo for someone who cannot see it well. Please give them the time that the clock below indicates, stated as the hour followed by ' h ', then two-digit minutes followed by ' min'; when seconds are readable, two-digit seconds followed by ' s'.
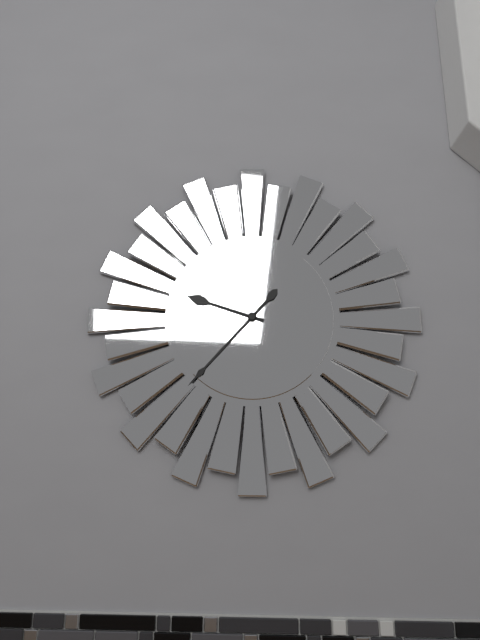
9 h 37 min
